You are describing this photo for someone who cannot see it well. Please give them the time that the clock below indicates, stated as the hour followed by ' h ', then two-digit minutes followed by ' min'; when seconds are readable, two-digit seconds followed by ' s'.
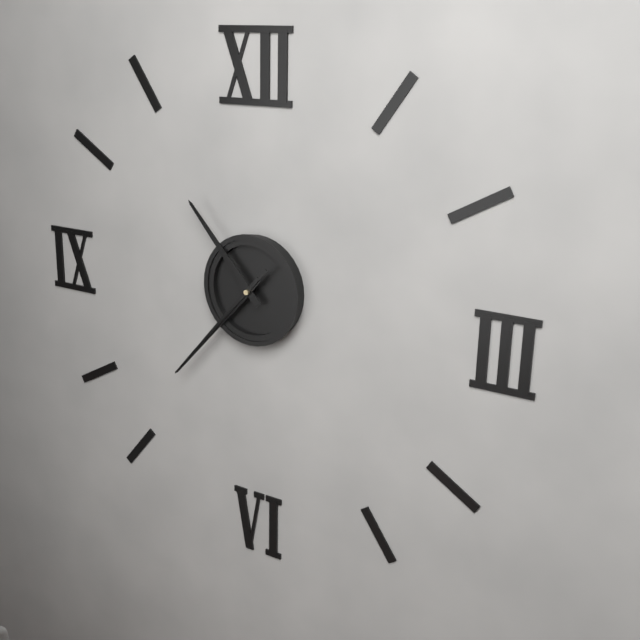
10 h 37 min 37 s
